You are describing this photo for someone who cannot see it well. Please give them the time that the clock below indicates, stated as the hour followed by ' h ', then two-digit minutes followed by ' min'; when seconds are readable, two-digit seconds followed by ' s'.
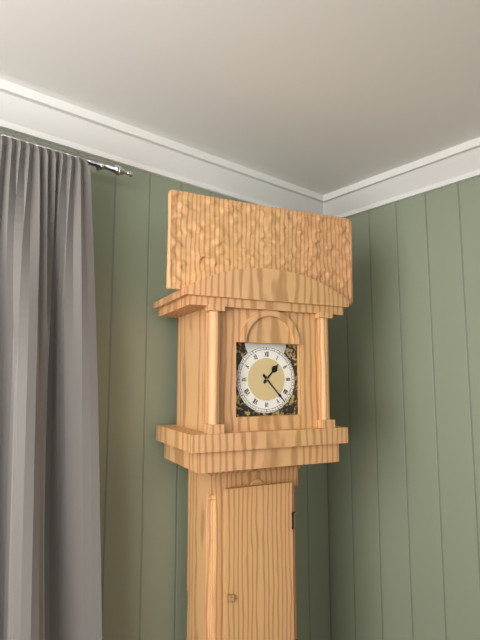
1 h 23 min
